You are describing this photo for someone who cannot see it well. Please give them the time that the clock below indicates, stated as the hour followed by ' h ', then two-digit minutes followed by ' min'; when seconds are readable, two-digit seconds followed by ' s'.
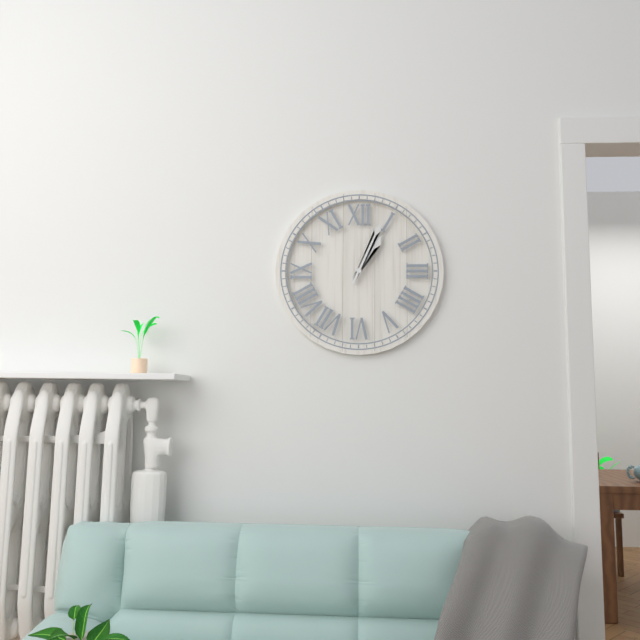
1 h 04 min
